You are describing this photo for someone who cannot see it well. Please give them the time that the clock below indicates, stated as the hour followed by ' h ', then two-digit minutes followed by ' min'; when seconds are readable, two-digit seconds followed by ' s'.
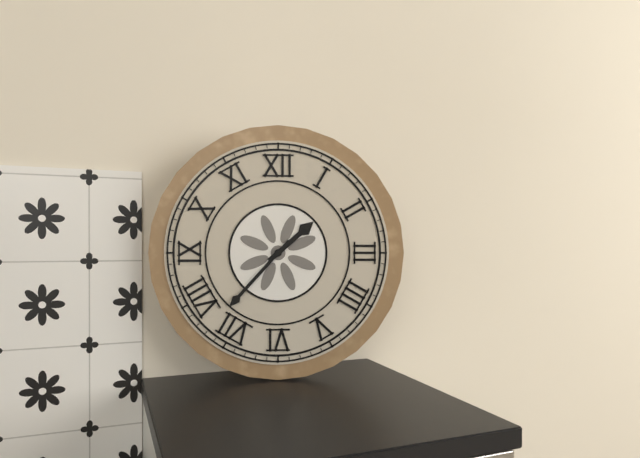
1 h 37 min
